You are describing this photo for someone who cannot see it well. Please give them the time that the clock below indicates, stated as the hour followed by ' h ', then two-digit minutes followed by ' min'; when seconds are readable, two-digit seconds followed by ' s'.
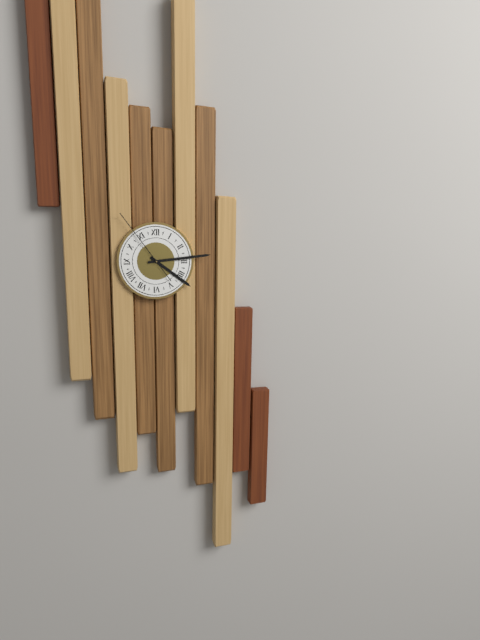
4 h 14 min 54 s
